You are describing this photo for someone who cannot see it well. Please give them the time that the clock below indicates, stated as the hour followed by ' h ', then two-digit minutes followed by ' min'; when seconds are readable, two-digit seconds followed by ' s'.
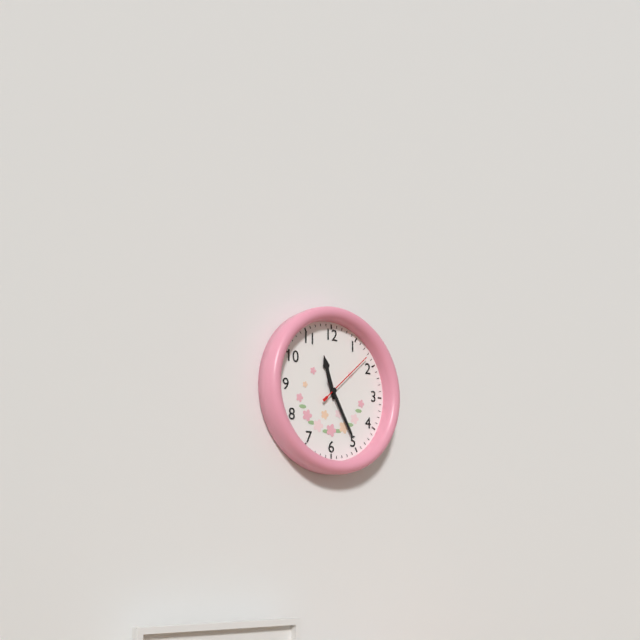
11 h 25 min 08 s
